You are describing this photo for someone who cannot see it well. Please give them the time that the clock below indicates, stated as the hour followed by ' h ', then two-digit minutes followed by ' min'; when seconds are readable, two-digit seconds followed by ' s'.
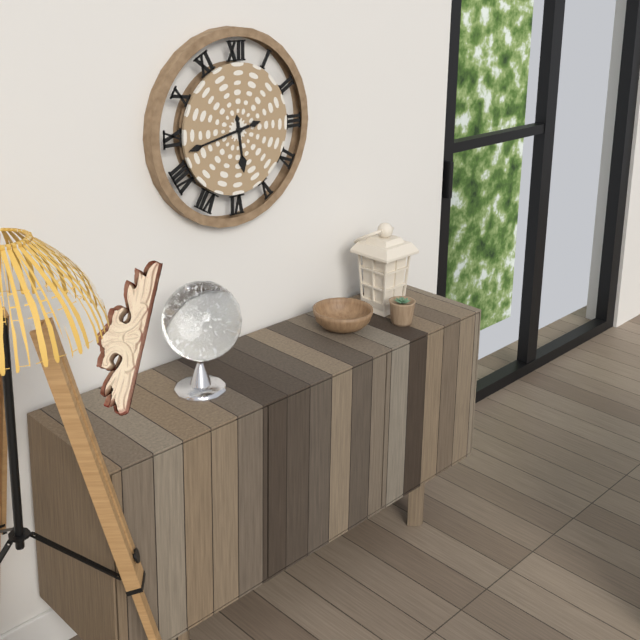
5 h 43 min
